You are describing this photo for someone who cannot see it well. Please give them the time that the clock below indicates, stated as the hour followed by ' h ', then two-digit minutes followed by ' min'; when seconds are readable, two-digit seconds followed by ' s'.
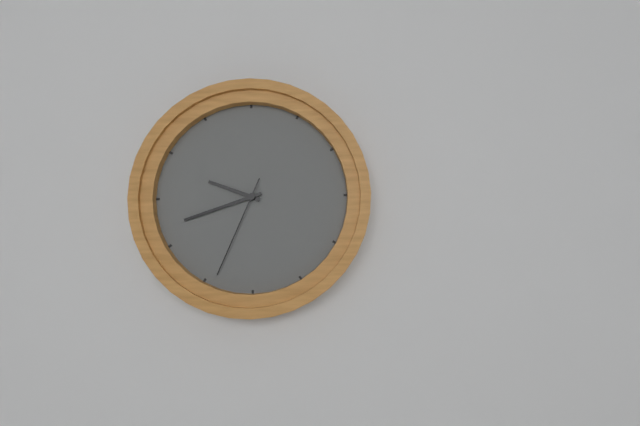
9 h 42 min 34 s
